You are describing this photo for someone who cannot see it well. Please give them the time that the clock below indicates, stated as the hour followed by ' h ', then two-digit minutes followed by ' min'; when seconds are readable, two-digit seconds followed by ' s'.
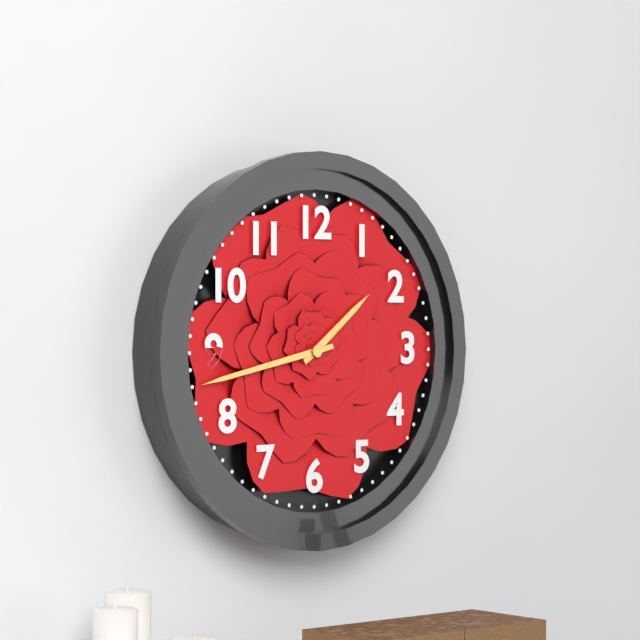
1 h 43 min
